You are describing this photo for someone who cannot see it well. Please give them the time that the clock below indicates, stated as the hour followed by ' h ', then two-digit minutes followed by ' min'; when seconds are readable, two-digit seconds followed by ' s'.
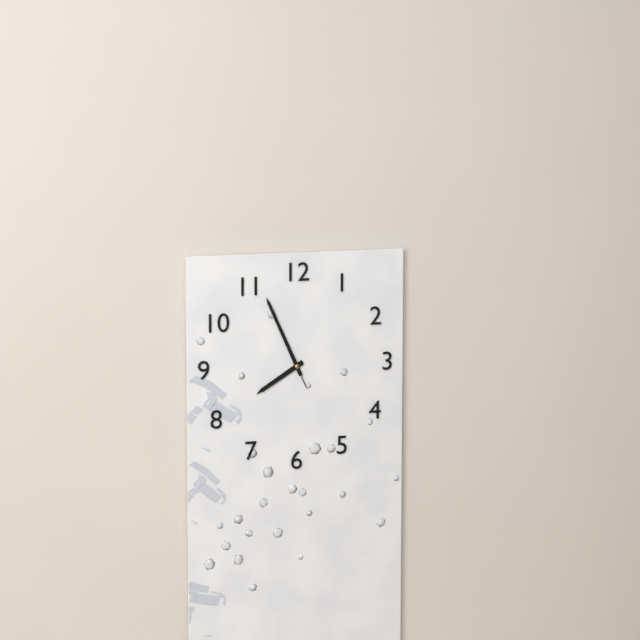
7 h 56 min 56 s
